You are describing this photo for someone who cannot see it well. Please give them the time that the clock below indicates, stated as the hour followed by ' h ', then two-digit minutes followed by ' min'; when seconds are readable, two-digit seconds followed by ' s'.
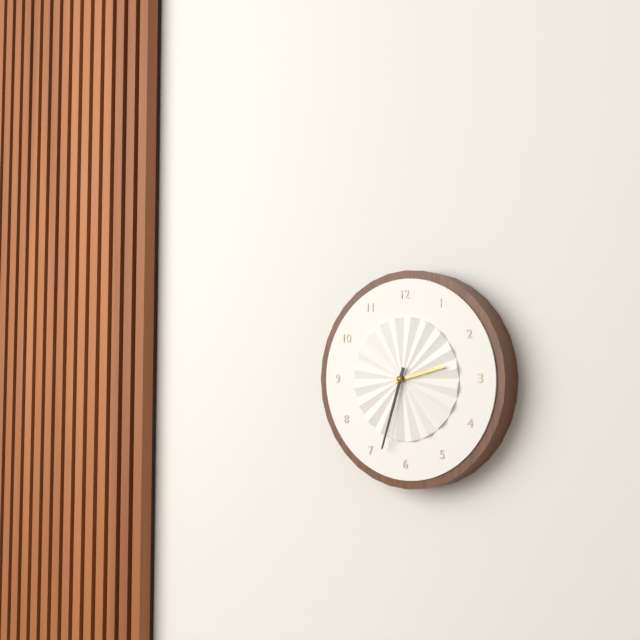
2 h 33 min
